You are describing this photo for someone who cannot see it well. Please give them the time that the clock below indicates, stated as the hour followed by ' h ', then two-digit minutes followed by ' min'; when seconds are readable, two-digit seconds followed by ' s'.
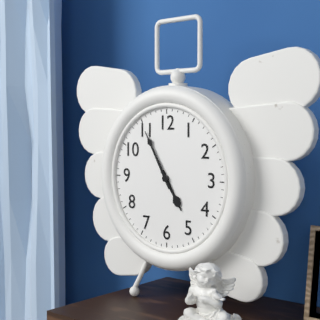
4 h 55 min
